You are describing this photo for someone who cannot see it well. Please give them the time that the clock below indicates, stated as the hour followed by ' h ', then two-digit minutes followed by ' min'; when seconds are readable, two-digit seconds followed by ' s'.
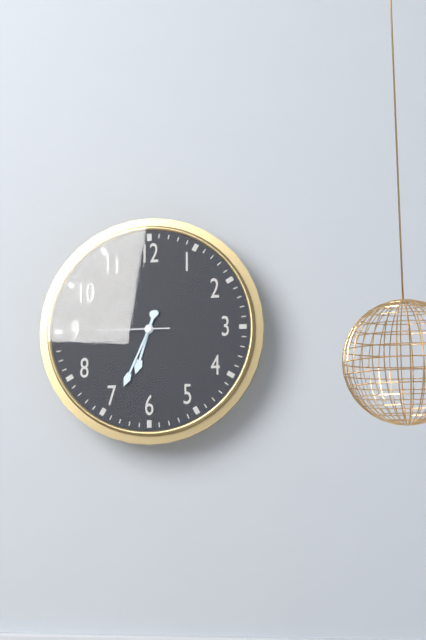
6 h 34 min 45 s
